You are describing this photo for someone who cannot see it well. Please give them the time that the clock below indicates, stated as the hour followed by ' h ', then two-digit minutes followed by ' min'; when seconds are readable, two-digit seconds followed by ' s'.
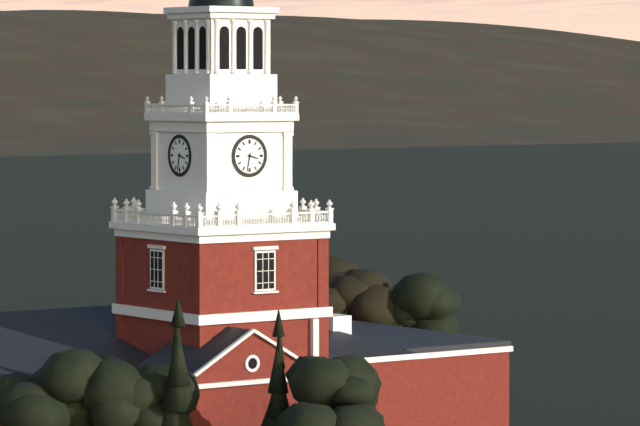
3 h 32 min
